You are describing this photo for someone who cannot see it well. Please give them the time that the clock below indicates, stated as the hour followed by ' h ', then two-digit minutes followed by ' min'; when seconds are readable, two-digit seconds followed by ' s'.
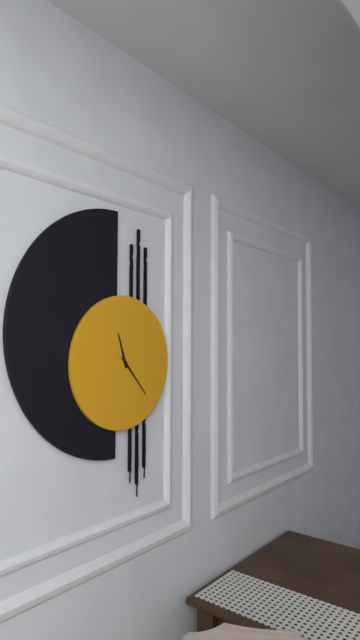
11 h 23 min
